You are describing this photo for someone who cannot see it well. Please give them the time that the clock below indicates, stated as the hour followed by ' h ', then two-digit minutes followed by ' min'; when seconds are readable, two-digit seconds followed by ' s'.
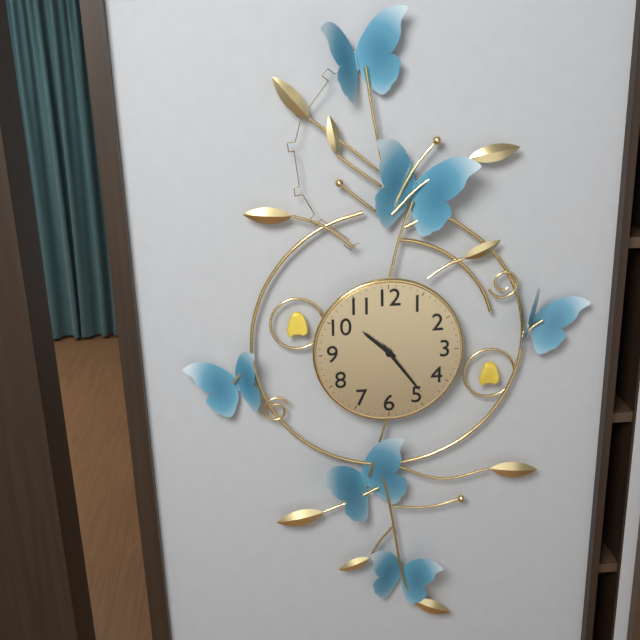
10 h 24 min
